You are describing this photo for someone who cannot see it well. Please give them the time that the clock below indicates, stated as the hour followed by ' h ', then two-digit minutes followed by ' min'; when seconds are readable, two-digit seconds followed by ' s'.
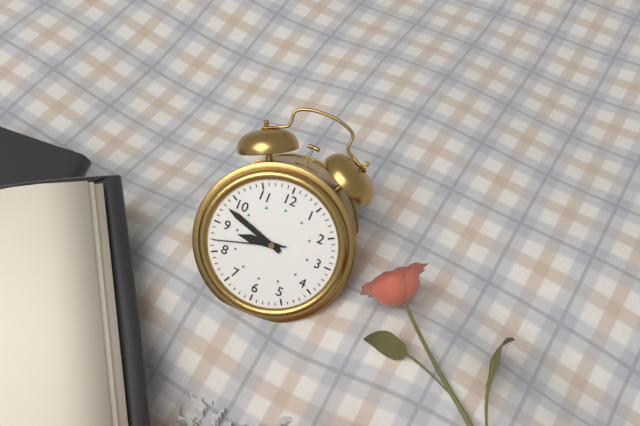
8 h 48 min 42 s
